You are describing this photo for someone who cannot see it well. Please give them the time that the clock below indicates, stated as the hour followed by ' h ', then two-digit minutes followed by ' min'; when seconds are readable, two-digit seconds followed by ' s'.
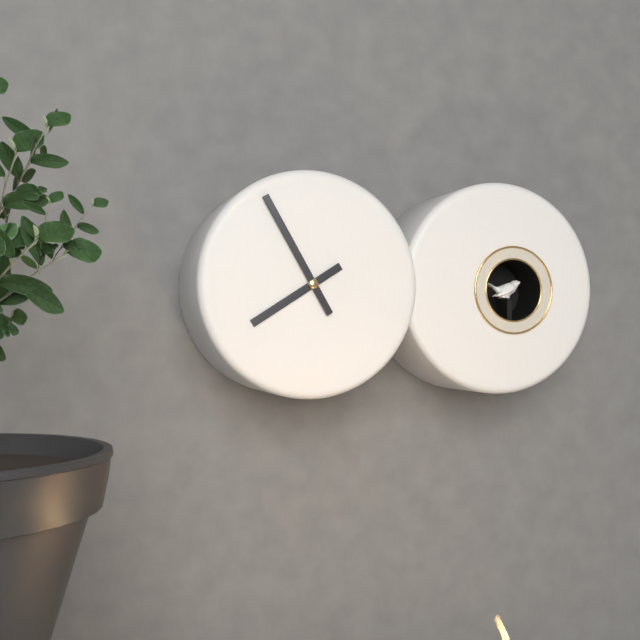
7 h 55 min
